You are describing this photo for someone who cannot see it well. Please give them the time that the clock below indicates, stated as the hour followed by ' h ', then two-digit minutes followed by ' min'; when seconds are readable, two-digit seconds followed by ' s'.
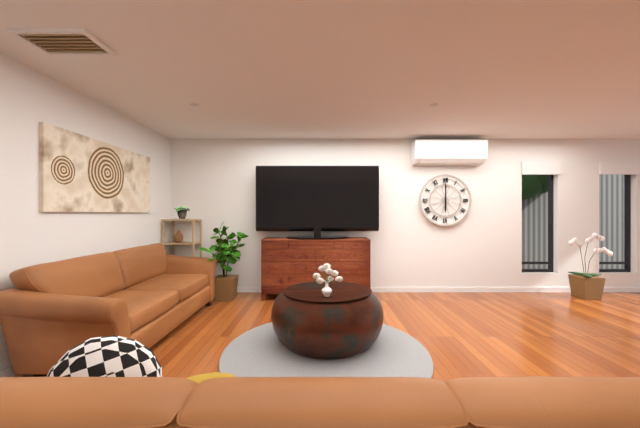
6 h 00 min
